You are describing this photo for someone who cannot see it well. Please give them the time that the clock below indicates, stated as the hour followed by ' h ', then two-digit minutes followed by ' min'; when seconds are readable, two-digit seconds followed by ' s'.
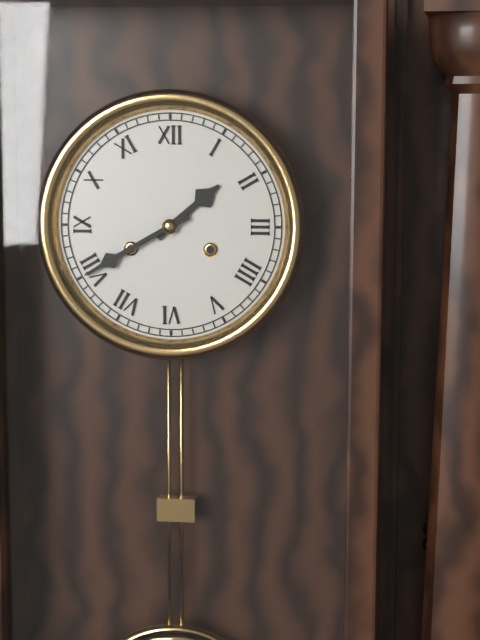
1 h 40 min
